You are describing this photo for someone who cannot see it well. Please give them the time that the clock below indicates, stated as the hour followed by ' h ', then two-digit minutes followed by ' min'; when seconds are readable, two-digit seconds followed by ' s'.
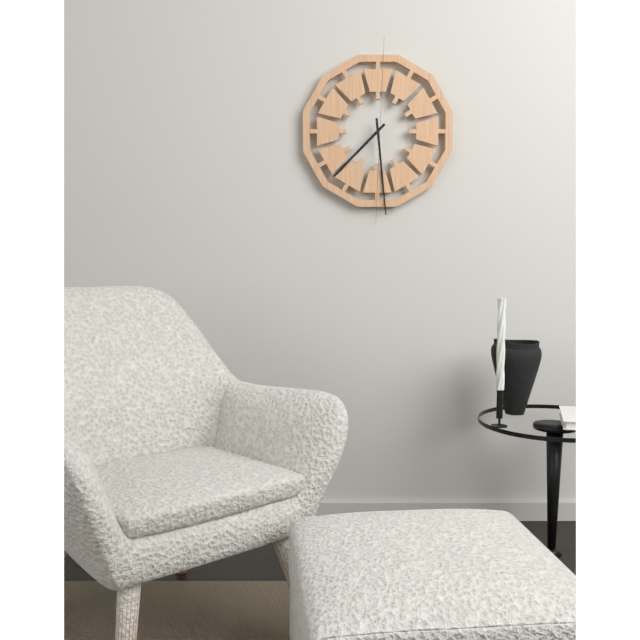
7 h 29 min
